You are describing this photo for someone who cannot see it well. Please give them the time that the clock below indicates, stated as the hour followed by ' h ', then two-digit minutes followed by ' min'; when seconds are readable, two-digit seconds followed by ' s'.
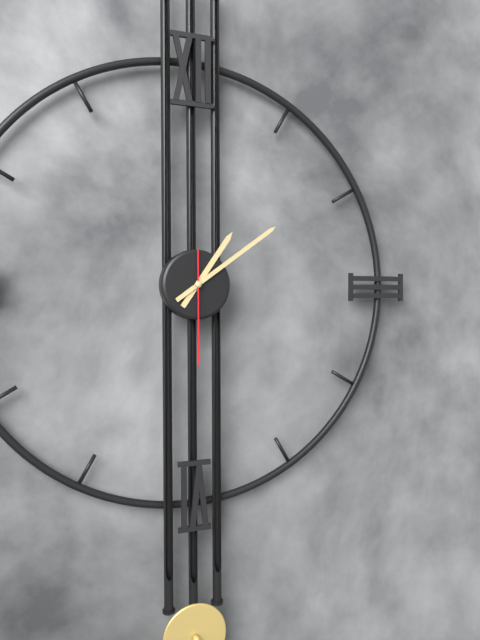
1 h 09 min 30 s
